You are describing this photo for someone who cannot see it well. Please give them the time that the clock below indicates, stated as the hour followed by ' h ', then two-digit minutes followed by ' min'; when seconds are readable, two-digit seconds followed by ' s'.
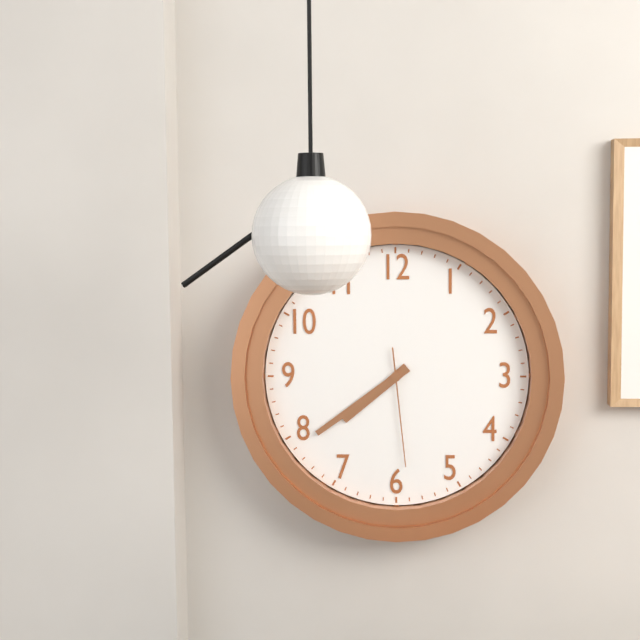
7 h 39 min 29 s
